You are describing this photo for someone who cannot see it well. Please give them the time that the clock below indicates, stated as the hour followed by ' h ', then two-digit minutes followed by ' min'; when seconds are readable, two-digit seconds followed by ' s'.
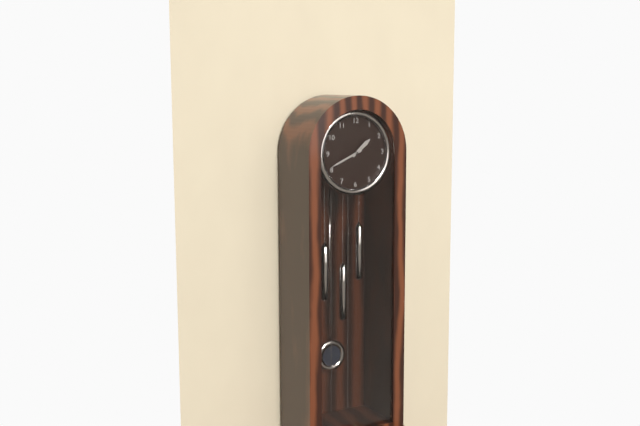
1 h 41 min
